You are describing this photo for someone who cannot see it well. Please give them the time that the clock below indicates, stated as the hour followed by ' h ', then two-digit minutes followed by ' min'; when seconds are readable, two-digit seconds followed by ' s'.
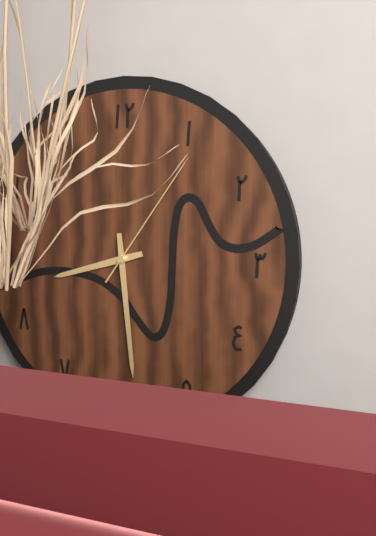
8 h 29 min 06 s
